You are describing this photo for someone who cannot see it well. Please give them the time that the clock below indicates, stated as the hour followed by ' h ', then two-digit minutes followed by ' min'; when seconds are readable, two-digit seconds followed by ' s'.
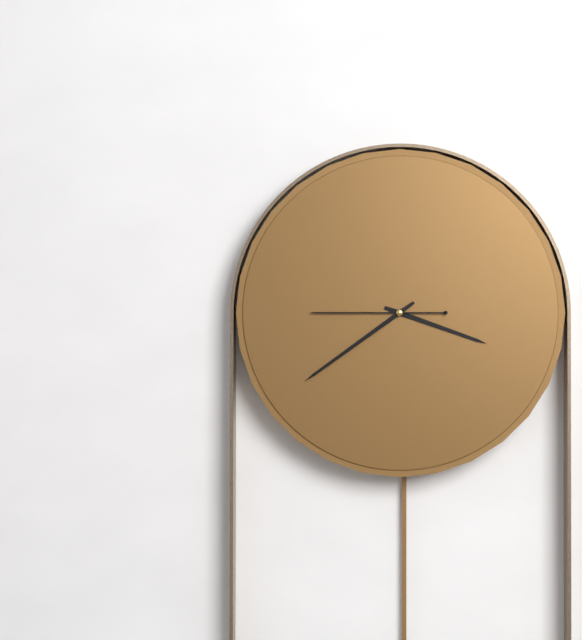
3 h 39 min 45 s
